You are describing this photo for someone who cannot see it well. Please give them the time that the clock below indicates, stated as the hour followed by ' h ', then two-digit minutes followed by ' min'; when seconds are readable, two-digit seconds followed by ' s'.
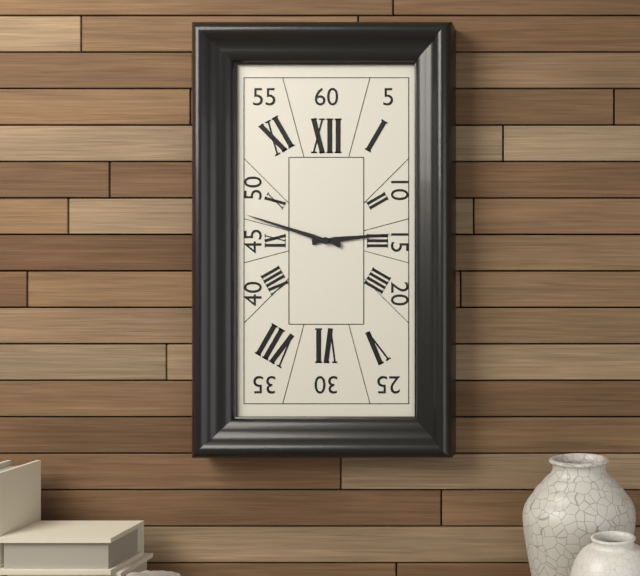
2 h 48 min
